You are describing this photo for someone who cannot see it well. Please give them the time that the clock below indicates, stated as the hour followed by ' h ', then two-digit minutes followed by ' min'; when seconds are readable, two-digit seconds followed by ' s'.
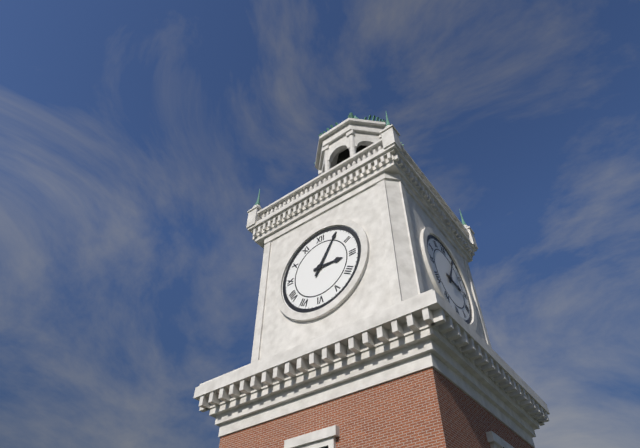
3 h 05 min
